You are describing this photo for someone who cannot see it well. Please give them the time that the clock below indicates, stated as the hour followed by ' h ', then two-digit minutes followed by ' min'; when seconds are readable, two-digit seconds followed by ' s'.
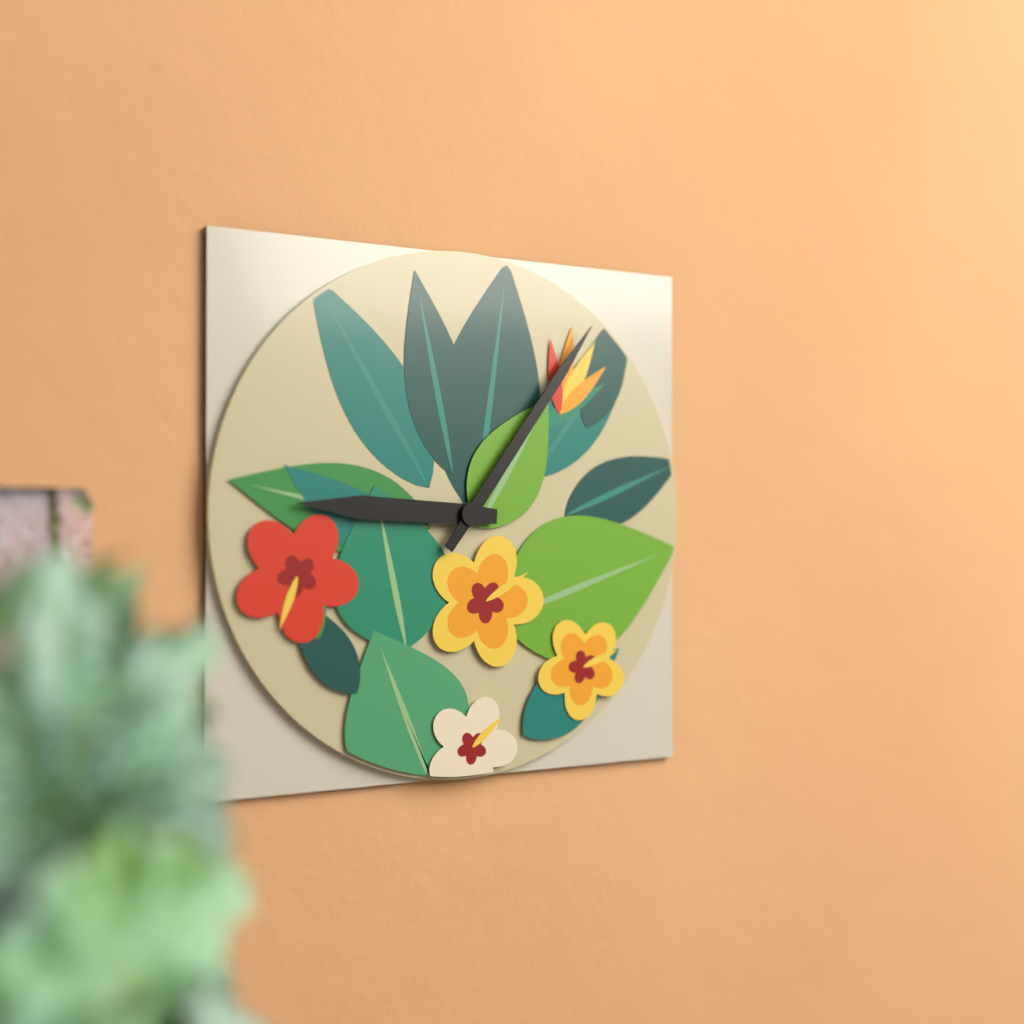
9 h 06 min
